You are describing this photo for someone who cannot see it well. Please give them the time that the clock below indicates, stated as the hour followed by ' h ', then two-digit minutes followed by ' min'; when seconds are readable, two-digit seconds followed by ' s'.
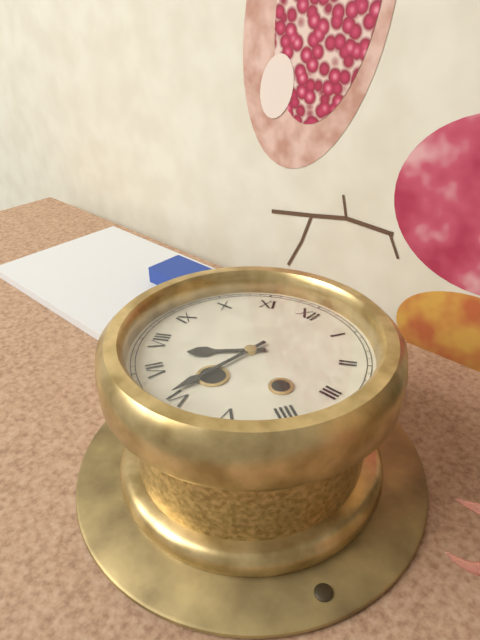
7 h 31 min
